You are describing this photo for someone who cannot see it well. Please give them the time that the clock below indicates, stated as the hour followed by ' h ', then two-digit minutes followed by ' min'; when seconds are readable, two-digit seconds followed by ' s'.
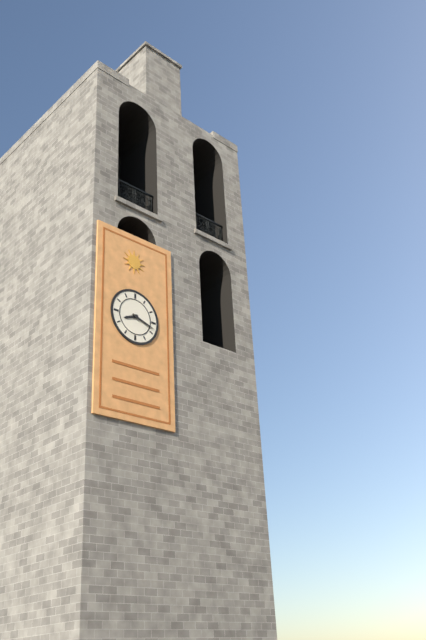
8 h 18 min
